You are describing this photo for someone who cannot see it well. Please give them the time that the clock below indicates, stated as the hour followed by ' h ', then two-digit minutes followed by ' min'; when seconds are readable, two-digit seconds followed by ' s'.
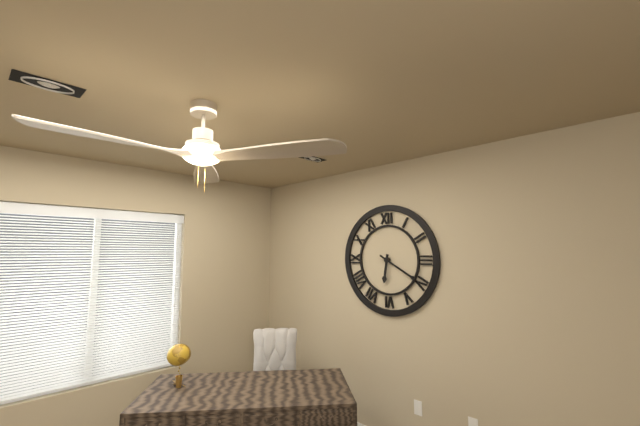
6 h 20 min
